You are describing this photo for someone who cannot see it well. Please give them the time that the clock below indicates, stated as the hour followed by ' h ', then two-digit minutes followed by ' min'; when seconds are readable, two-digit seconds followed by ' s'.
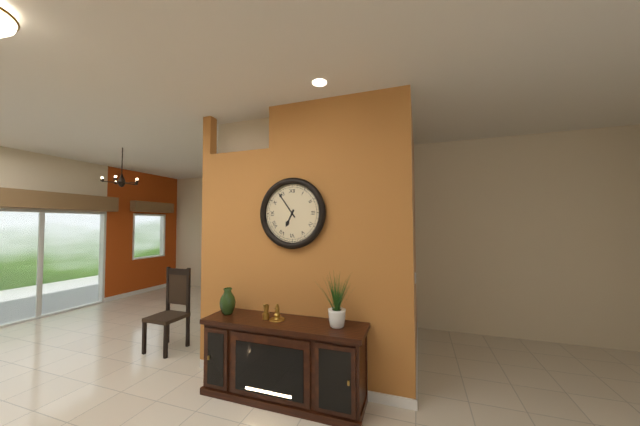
6 h 54 min
